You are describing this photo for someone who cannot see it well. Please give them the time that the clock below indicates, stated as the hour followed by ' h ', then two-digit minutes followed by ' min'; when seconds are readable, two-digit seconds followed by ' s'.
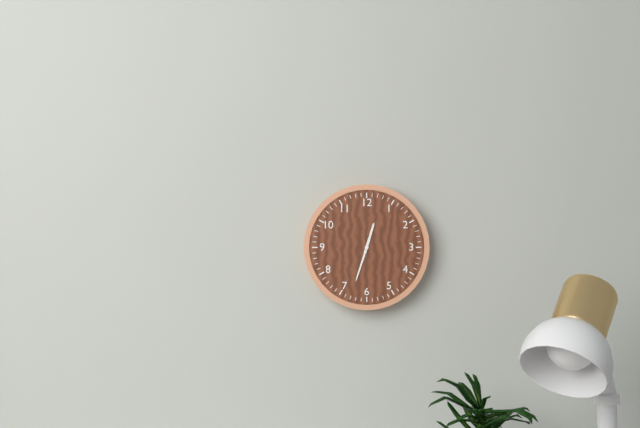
12 h 33 min
